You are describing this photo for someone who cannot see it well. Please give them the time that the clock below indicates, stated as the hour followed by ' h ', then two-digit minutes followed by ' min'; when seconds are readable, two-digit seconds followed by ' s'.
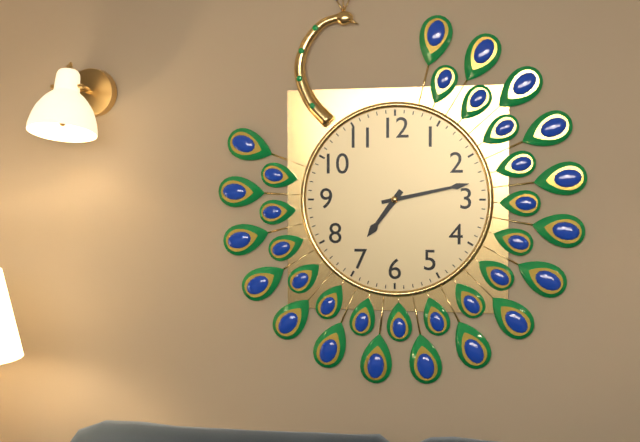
7 h 13 min
